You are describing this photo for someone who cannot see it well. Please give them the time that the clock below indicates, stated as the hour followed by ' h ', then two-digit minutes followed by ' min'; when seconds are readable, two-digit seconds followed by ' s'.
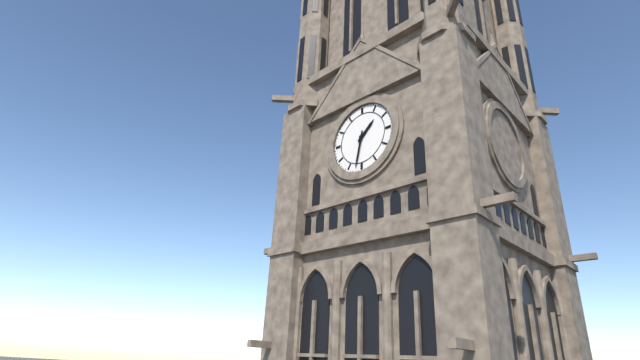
1 h 32 min
